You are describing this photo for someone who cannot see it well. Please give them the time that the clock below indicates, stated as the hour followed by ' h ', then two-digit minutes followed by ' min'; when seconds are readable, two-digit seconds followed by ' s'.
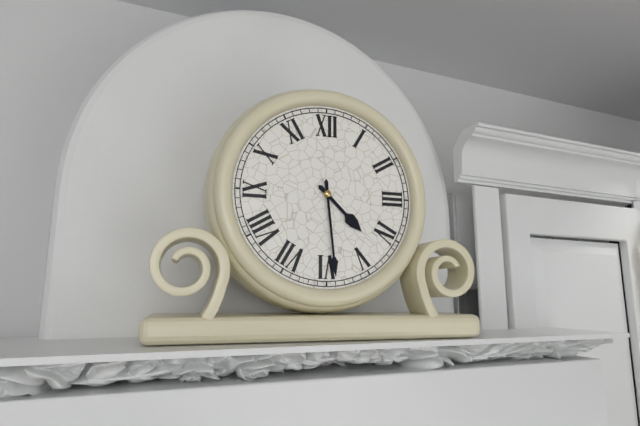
4 h 29 min
